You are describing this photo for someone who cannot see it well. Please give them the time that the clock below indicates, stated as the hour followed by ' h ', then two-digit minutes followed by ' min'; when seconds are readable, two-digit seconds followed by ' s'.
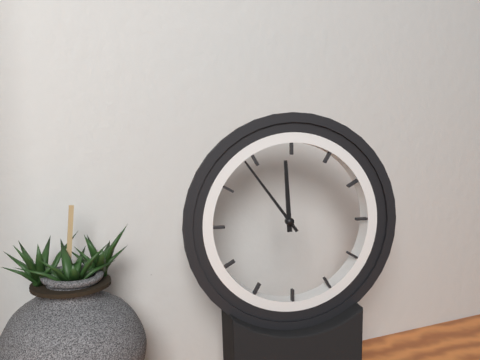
11 h 54 min
